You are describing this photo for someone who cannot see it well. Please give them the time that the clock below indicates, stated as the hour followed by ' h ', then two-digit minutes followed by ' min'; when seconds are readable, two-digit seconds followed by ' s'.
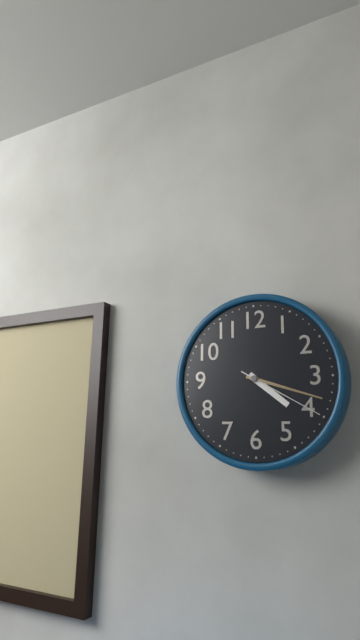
4 h 18 min 20 s
